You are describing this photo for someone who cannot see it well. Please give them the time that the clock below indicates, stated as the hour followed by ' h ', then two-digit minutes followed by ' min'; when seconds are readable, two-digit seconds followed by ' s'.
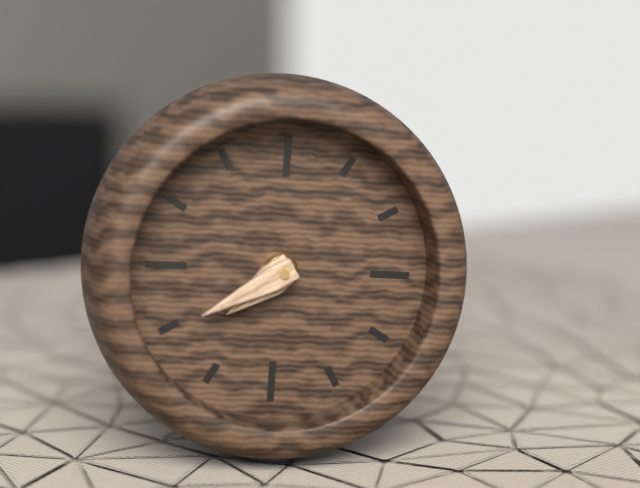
7 h 40 min
